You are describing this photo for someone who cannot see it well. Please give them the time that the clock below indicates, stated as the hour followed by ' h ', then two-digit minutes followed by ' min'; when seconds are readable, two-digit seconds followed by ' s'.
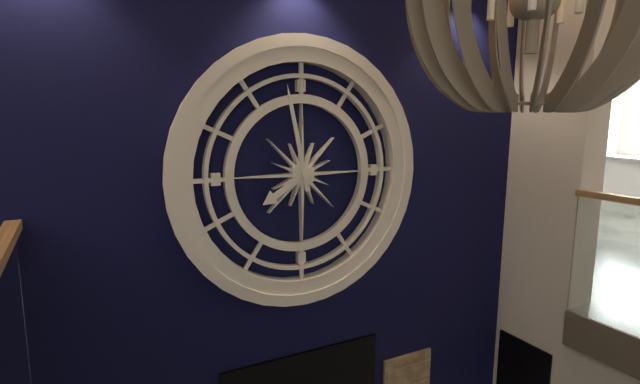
7 h 58 min
